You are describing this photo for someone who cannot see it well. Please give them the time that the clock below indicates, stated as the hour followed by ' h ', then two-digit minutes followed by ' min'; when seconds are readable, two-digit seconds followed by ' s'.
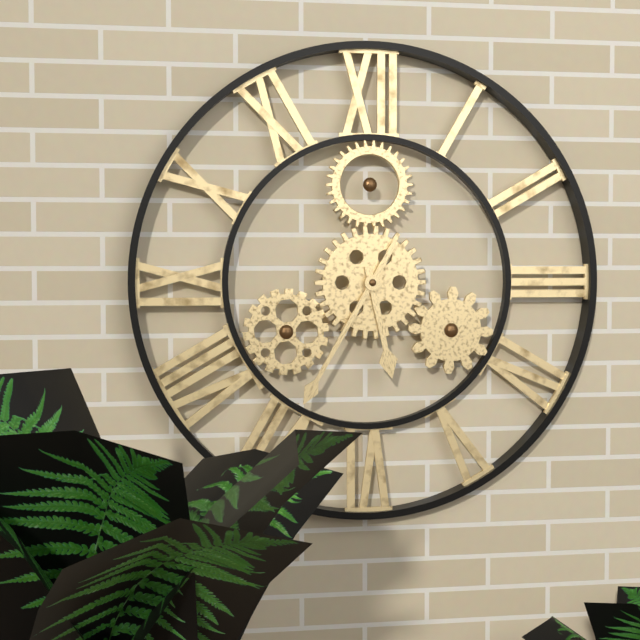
5 h 35 min
